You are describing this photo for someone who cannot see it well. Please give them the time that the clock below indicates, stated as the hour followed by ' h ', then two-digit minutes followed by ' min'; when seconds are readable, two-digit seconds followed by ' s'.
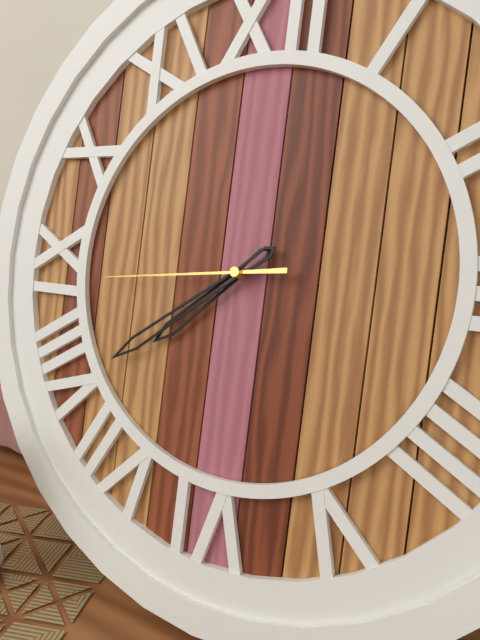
7 h 39 min 44 s
